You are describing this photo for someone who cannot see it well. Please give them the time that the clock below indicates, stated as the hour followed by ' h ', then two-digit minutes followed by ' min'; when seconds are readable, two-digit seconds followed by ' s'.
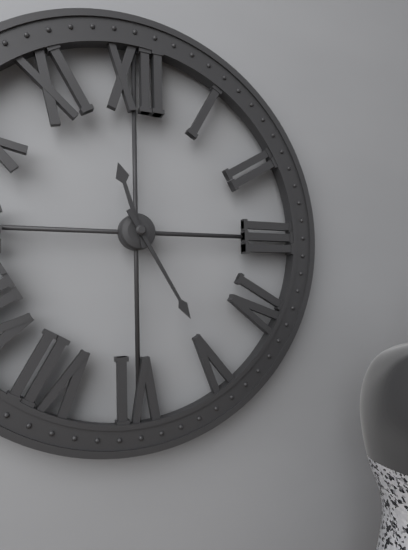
11 h 25 min
